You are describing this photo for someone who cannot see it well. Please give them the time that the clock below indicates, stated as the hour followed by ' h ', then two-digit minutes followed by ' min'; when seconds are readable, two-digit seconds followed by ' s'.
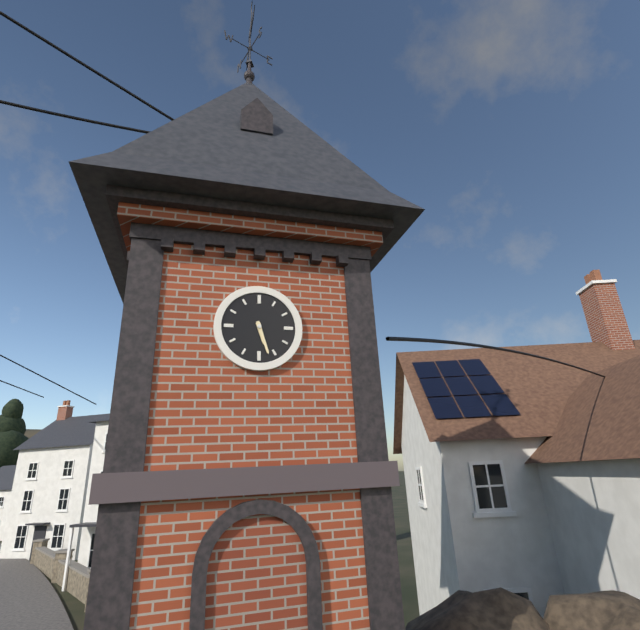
5 h 27 min
